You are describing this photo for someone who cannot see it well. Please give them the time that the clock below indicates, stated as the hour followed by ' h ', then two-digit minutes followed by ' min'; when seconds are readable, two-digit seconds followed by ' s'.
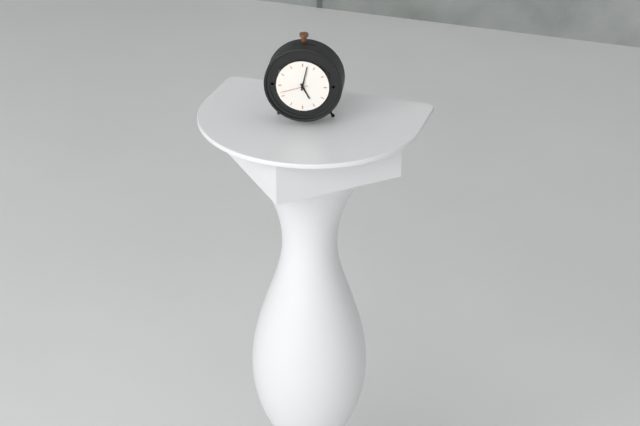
5 h 02 min
